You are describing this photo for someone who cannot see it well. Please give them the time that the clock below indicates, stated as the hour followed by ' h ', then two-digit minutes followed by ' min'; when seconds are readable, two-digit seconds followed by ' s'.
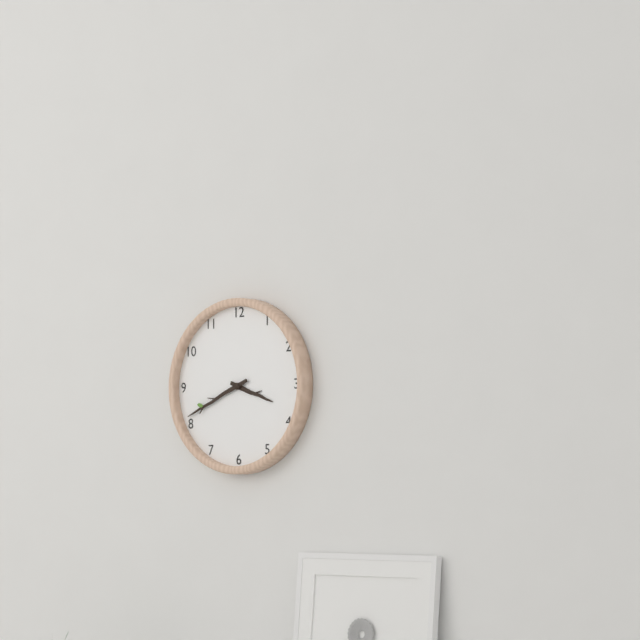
3 h 41 min
